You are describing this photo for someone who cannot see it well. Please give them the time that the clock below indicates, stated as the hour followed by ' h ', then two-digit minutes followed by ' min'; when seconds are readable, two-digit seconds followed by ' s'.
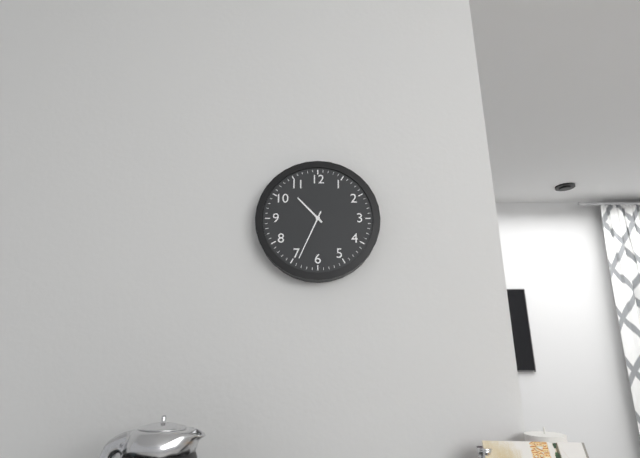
10 h 34 min
